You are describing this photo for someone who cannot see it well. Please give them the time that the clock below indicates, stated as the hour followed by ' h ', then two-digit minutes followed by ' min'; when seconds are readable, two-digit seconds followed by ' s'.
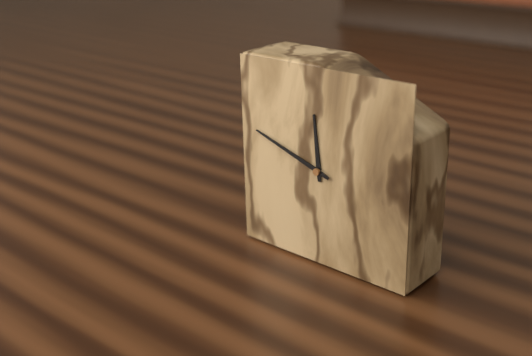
11 h 48 min
